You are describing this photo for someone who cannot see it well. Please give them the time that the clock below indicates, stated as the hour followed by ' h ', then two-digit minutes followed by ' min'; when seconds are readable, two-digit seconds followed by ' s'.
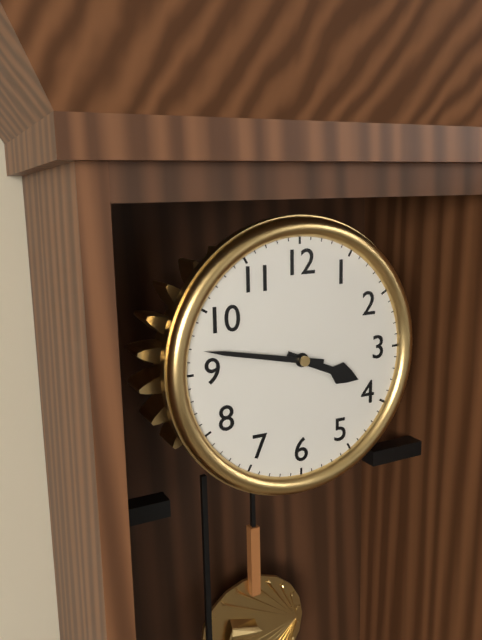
3 h 47 min
